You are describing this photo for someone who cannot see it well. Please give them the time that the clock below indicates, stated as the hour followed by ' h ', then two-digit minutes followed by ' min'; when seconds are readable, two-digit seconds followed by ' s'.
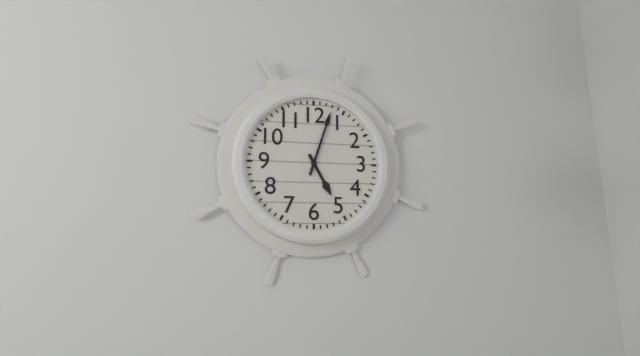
5 h 03 min
